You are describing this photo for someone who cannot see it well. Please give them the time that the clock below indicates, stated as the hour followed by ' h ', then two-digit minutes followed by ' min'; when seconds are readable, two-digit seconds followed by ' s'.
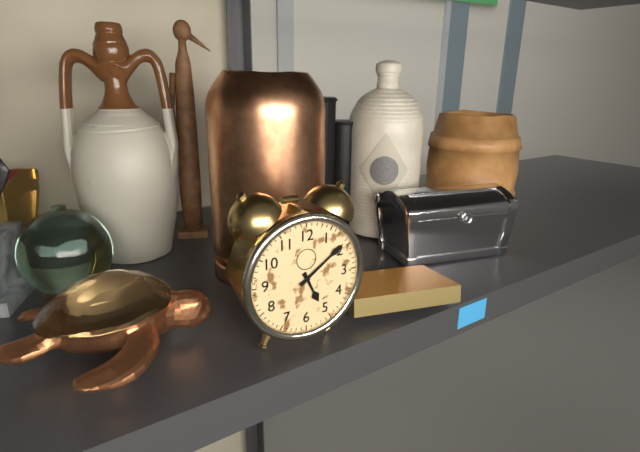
5 h 09 min
